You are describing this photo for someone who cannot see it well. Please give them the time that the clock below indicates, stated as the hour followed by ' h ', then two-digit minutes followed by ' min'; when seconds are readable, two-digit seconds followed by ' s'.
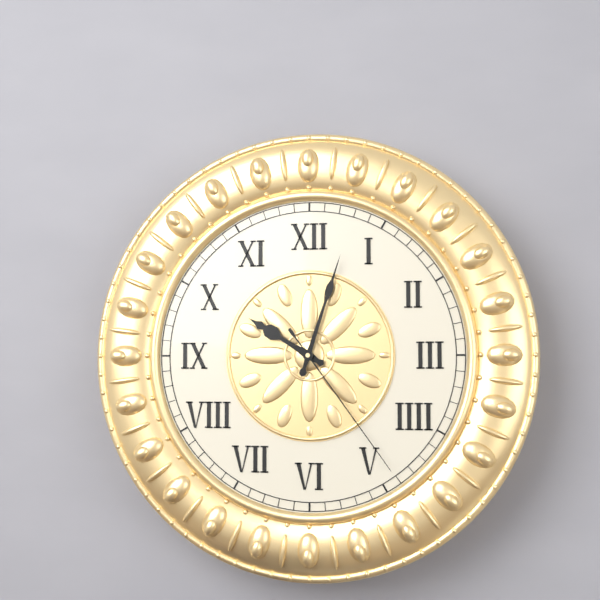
10 h 03 min 24 s
